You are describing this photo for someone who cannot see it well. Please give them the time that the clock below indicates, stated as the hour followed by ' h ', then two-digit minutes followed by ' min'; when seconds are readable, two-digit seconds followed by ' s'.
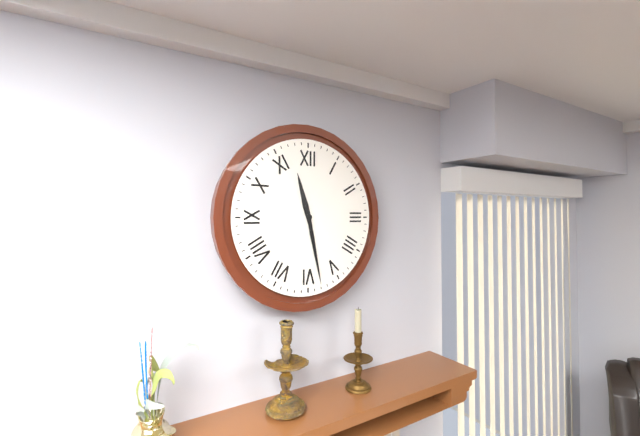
11 h 28 min
